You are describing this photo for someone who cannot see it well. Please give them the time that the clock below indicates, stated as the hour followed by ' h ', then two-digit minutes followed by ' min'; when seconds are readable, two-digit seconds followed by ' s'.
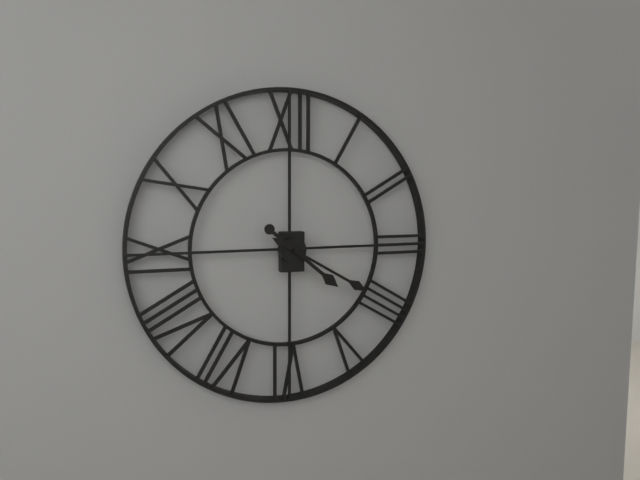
4 h 20 min
